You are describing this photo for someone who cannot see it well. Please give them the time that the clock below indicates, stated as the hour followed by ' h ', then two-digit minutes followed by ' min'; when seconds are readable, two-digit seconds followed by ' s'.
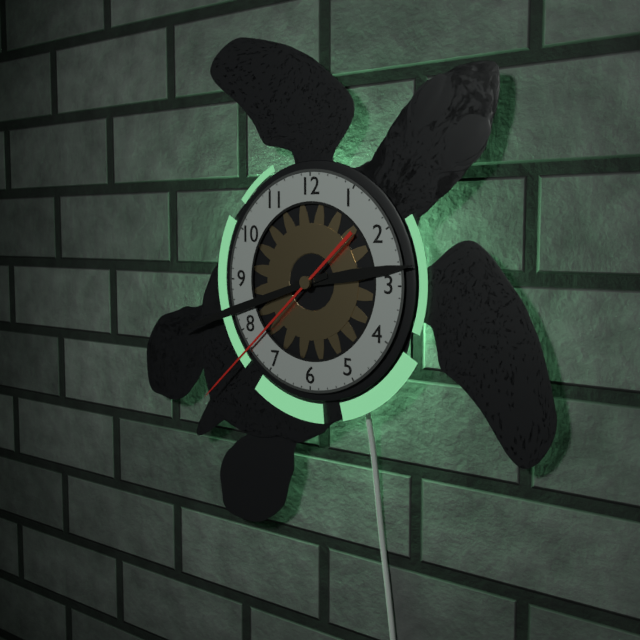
2 h 42 min 38 s
